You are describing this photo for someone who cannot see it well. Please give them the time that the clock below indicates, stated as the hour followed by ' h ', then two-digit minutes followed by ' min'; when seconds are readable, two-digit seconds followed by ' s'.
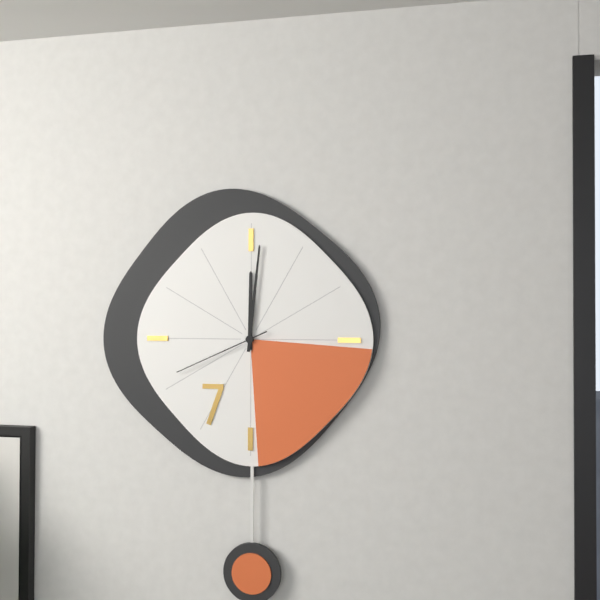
12 h 01 min 41 s
